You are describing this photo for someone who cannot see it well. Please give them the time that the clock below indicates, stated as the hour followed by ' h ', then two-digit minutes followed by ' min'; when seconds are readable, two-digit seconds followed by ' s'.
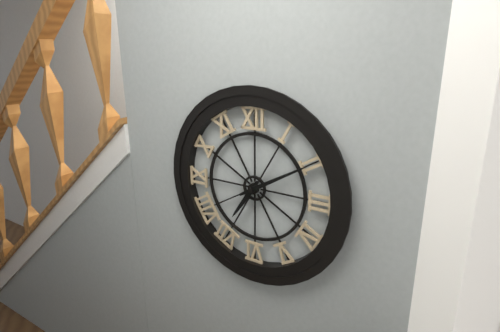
7 h 10 min
